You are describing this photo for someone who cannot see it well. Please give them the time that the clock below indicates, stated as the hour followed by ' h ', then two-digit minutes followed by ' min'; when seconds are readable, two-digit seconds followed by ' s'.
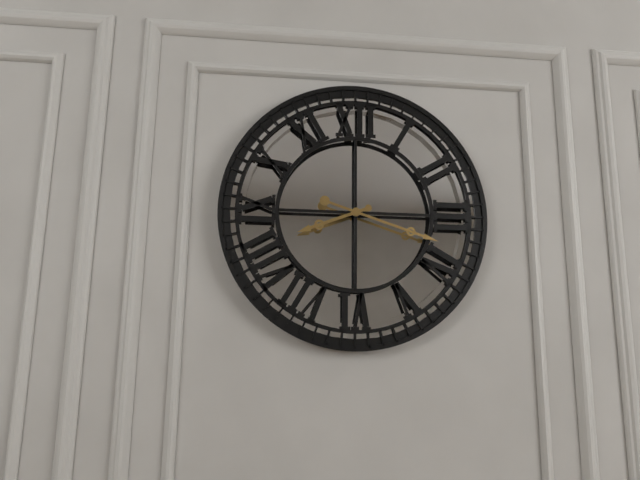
8 h 18 min
